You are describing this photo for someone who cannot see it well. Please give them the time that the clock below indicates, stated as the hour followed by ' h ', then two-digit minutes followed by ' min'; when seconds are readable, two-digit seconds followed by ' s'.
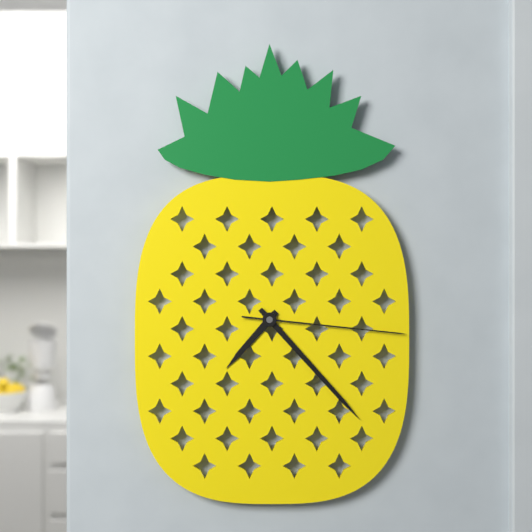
7 h 23 min 16 s
